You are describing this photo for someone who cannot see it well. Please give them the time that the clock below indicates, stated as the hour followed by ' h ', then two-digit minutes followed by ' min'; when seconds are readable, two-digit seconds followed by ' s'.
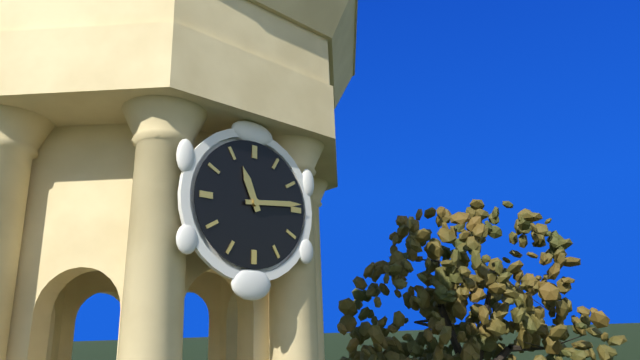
11 h 14 min
